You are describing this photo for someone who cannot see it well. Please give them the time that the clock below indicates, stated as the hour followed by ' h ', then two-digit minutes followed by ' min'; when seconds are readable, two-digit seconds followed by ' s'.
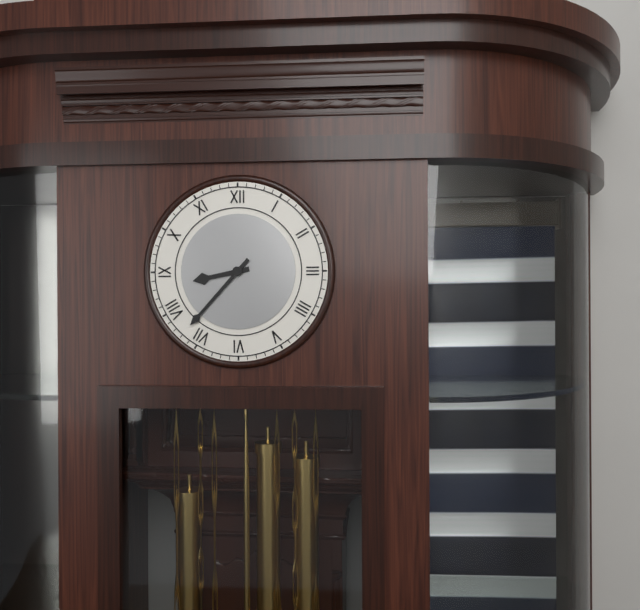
8 h 37 min
